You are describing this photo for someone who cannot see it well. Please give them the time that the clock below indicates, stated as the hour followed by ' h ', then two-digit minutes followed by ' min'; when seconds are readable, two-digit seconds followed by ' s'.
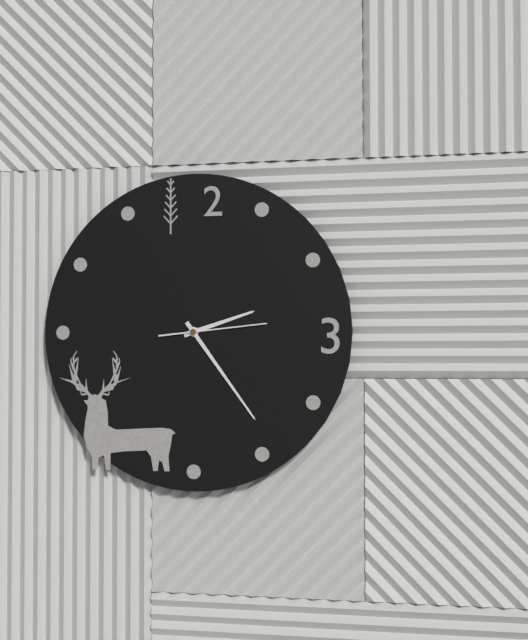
2 h 24 min 14 s
